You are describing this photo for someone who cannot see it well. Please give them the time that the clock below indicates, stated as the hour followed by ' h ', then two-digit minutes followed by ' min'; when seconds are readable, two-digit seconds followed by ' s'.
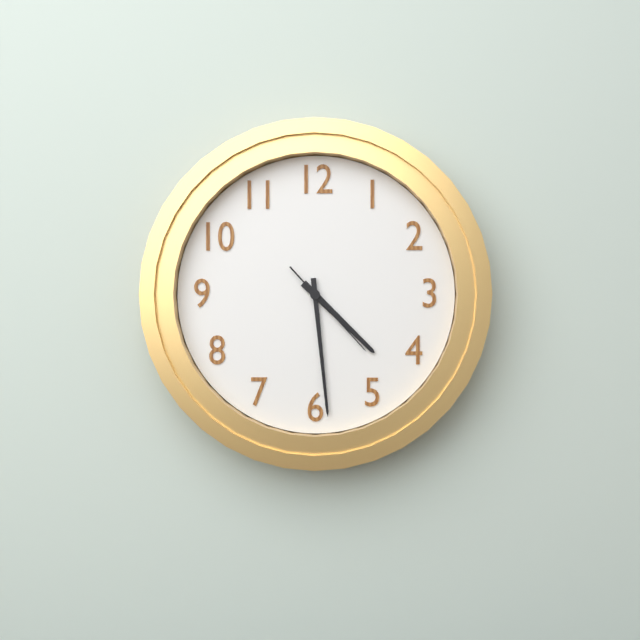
4 h 29 min 23 s
